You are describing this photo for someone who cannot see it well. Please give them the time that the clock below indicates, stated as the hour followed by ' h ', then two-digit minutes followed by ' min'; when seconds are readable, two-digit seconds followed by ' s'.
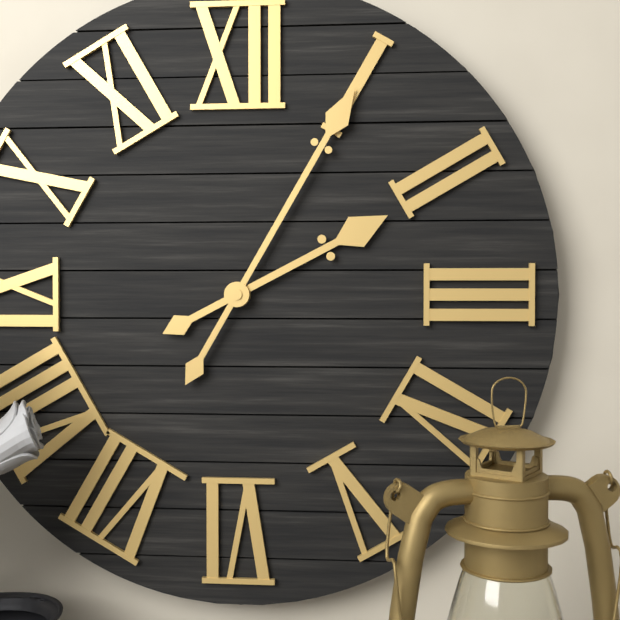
2 h 05 min
